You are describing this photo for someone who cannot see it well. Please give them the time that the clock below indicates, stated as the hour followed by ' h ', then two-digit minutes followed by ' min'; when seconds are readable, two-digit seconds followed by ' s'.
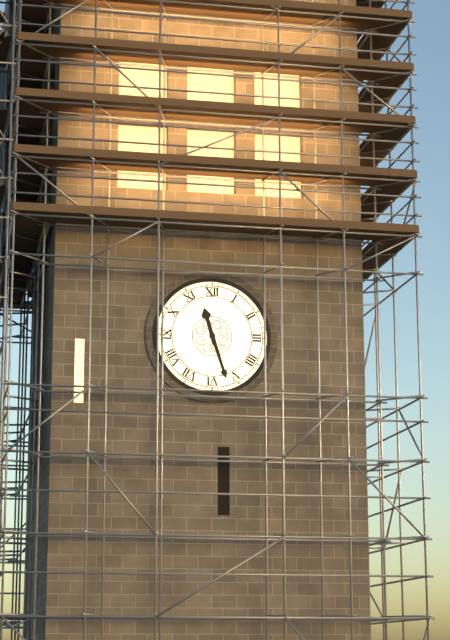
11 h 27 min
